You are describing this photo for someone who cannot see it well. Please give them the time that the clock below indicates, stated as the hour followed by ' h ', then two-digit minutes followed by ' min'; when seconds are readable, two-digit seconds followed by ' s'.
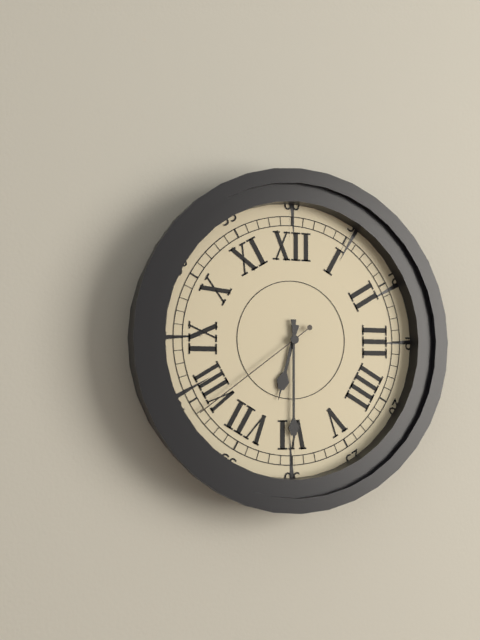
6 h 30 min 39 s
